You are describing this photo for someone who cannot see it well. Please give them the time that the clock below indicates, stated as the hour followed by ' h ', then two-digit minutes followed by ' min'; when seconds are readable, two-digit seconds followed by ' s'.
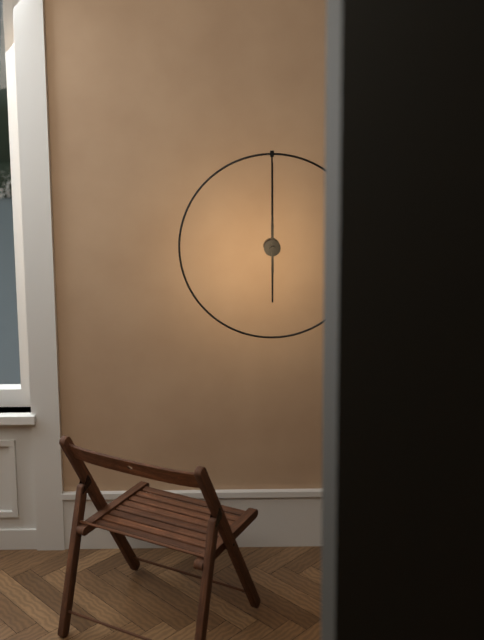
6 h 00 min
